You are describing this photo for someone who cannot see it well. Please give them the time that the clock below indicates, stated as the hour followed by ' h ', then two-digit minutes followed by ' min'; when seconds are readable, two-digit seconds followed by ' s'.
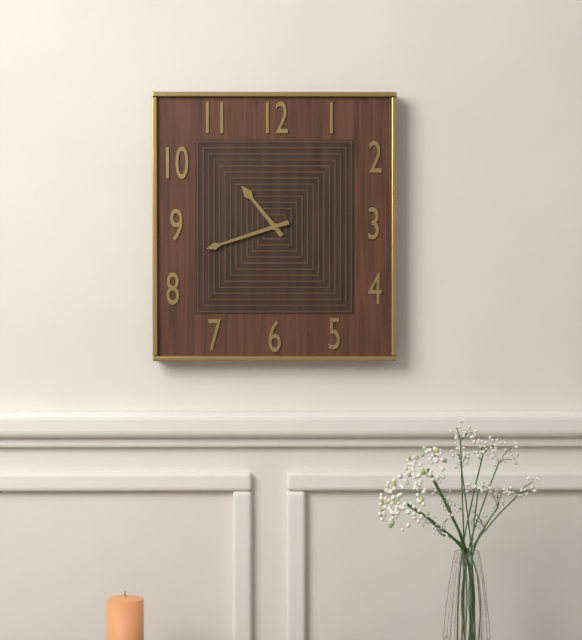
10 h 42 min
